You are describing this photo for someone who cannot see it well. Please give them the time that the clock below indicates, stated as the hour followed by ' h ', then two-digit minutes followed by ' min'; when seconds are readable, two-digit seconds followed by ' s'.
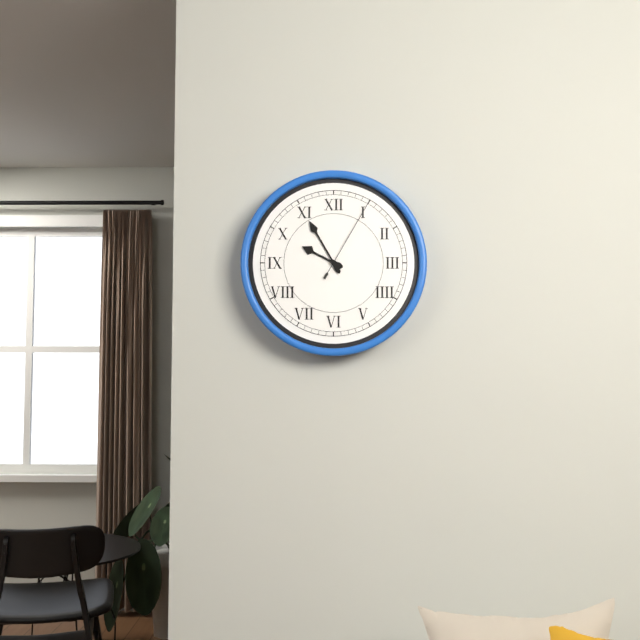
9 h 55 min 05 s
